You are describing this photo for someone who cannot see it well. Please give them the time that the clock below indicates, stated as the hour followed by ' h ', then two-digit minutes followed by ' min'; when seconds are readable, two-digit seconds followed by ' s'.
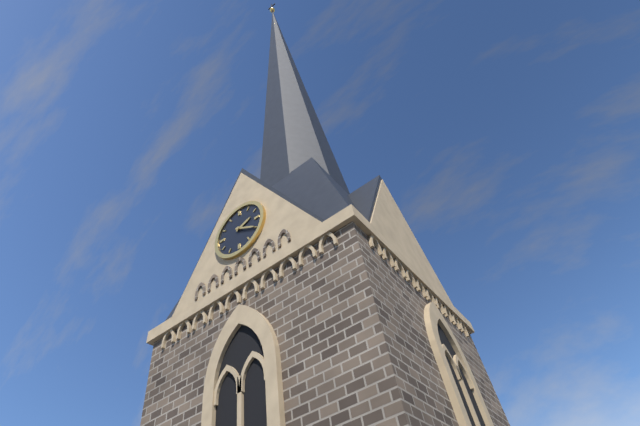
2 h 20 min
